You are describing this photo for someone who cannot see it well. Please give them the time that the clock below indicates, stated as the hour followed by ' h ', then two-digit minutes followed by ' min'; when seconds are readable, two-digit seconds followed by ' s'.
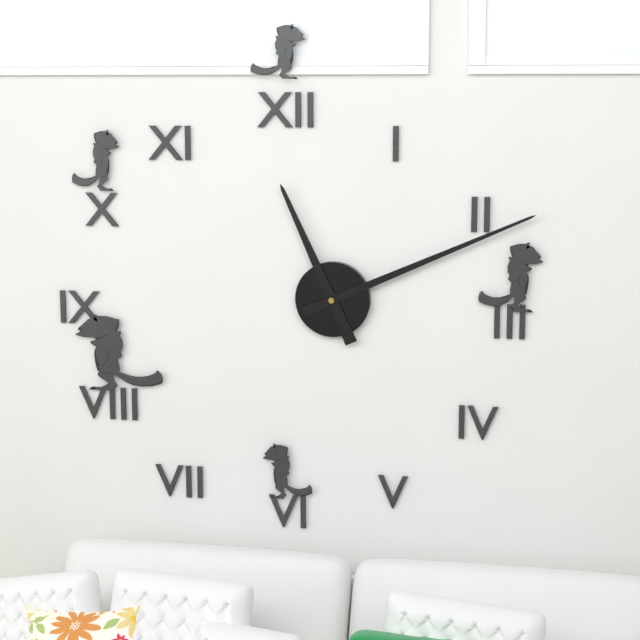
11 h 11 min
